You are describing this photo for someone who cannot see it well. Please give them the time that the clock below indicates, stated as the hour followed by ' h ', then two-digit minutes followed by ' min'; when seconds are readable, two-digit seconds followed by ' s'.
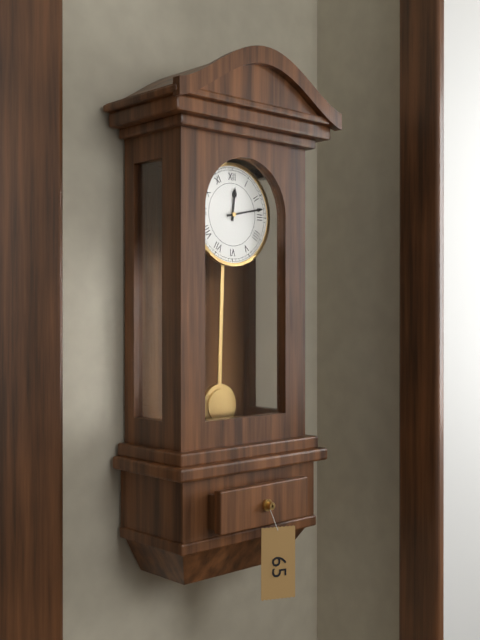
12 h 13 min
